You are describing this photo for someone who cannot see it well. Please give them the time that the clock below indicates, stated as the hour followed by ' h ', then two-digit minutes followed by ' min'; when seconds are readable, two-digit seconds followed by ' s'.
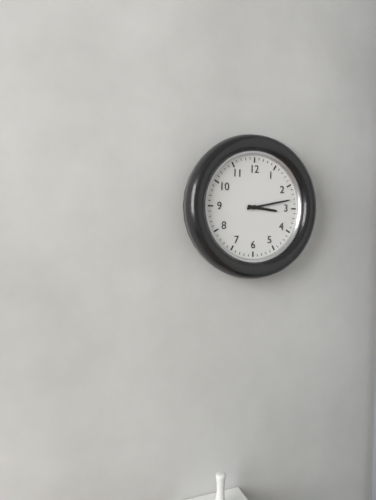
3 h 13 min
